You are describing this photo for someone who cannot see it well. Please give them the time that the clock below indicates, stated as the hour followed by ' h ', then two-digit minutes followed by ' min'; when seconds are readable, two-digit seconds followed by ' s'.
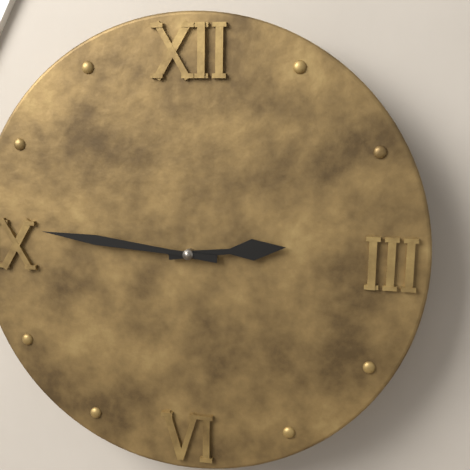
2 h 46 min
